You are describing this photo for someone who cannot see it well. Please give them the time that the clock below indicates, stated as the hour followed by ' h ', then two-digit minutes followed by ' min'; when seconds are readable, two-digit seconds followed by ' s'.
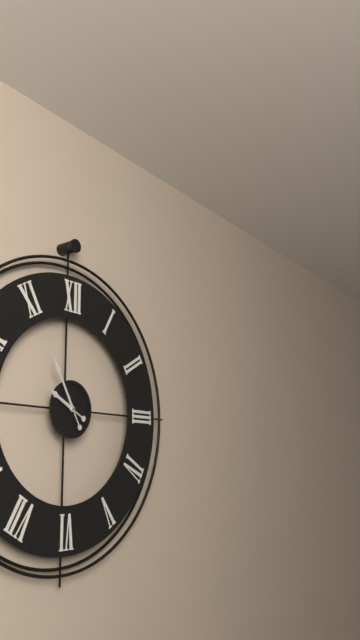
9 h 55 min
